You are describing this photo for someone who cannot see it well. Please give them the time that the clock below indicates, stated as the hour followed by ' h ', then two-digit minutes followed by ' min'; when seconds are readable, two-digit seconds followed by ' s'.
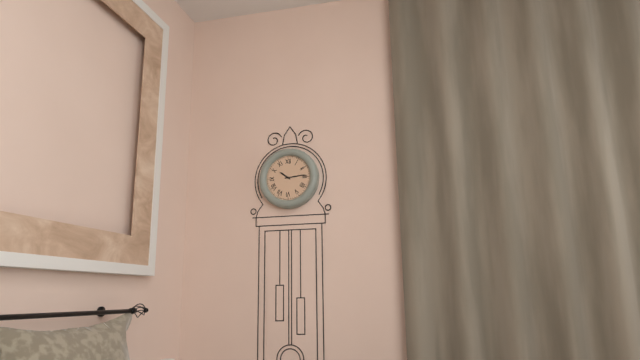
10 h 14 min
